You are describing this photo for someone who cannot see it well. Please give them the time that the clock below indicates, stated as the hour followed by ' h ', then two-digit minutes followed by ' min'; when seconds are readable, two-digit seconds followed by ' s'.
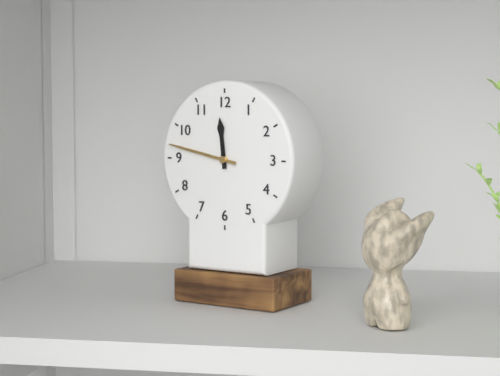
11 h 47 min
